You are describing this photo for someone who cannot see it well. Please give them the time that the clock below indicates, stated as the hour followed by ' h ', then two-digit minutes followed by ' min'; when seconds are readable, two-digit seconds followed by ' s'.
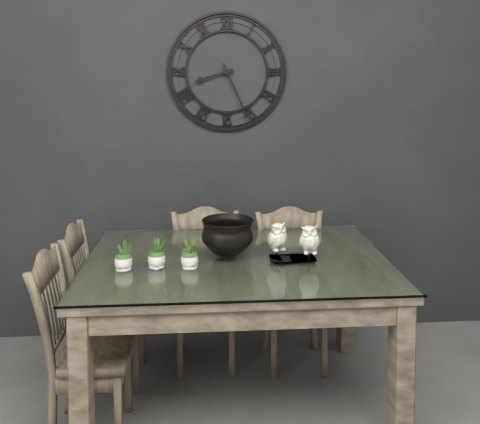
8 h 26 min
